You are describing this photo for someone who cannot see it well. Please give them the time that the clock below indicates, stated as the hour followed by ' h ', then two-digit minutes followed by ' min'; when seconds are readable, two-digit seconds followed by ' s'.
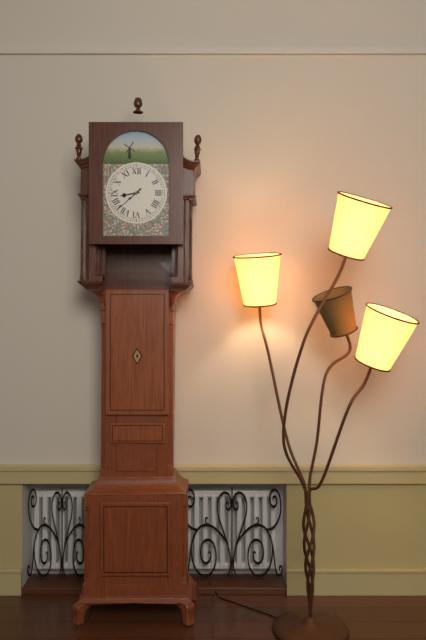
8 h 38 min
